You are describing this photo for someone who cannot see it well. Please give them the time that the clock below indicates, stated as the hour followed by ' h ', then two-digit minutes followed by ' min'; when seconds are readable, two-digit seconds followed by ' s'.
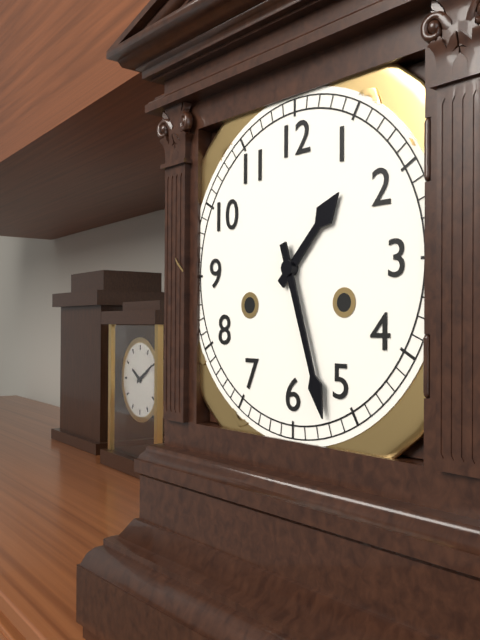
1 h 27 min
